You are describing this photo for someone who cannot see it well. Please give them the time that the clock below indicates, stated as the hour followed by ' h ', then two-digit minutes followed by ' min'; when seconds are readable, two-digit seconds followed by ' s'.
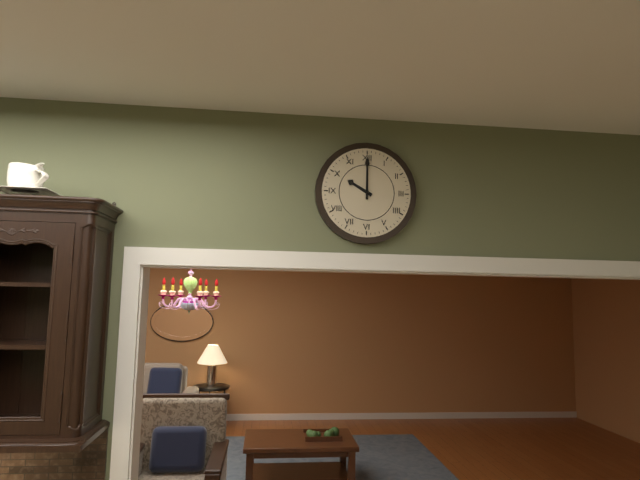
10 h 00 min
